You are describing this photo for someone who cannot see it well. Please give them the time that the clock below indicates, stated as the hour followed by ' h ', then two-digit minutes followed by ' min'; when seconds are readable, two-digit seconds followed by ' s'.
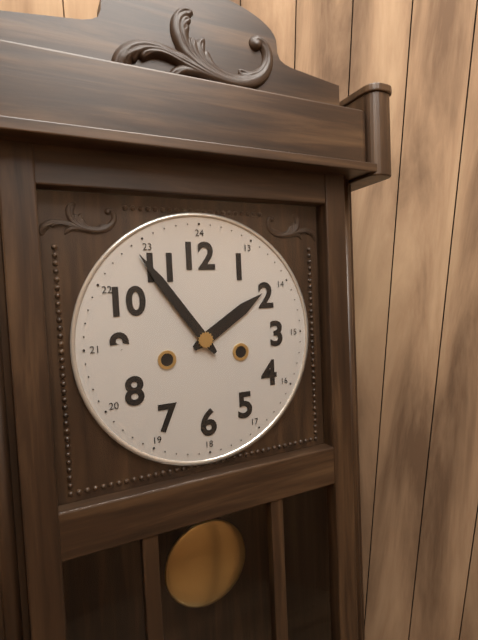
1 h 54 min
